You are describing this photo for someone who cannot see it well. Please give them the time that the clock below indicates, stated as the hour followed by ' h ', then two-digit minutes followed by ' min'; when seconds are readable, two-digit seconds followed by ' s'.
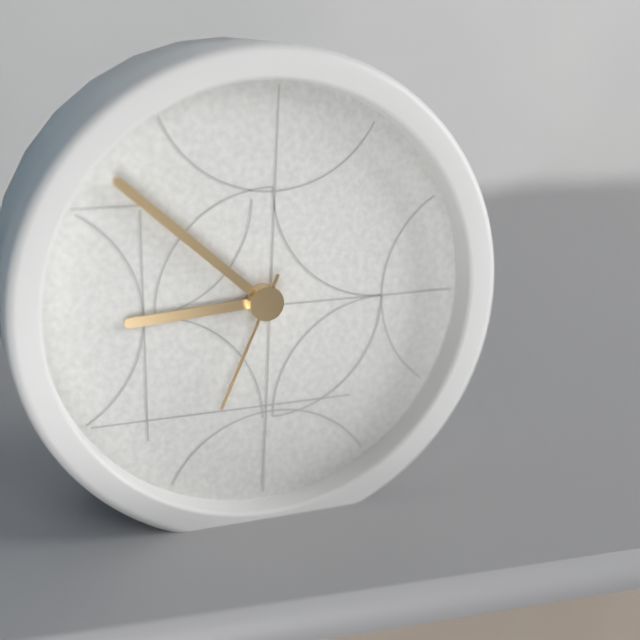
8 h 52 min 34 s
